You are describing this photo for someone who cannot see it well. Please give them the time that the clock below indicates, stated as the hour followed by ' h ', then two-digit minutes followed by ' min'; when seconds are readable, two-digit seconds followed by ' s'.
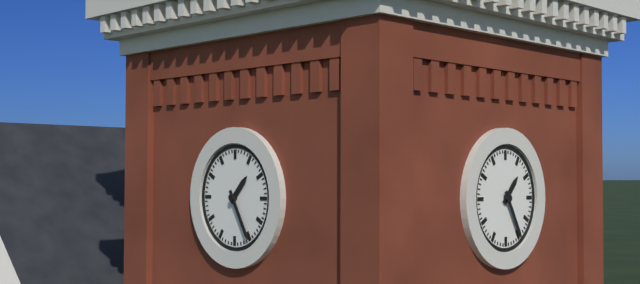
1 h 25 min
